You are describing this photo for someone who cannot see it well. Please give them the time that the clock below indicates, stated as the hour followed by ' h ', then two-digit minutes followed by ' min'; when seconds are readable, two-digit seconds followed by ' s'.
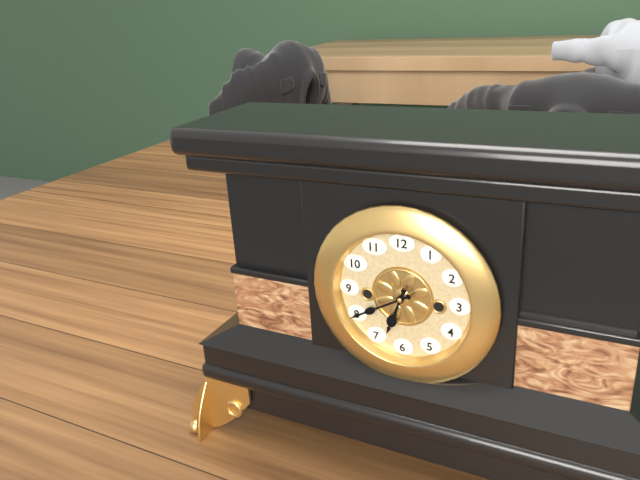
6 h 40 min
